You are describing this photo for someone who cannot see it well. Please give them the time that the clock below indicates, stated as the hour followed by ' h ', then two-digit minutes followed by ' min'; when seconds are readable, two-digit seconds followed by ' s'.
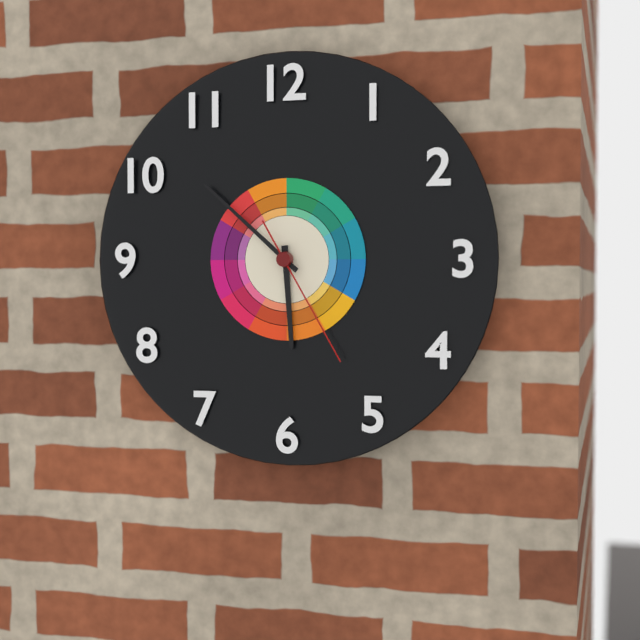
5 h 52 min 25 s
